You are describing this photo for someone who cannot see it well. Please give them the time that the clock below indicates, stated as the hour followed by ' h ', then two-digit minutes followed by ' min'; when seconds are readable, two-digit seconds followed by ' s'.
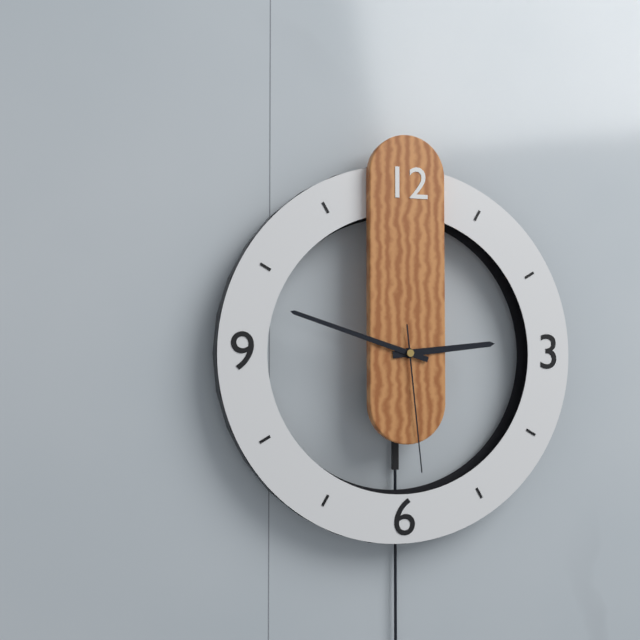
2 h 48 min 29 s
